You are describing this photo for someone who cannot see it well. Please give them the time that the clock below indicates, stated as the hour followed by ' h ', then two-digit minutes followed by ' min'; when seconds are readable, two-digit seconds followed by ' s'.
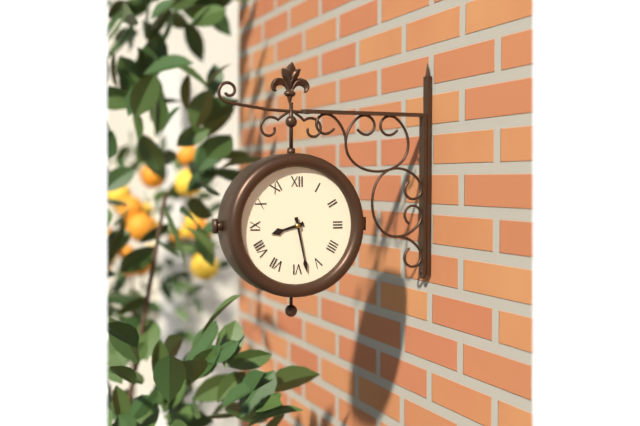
8 h 28 min
